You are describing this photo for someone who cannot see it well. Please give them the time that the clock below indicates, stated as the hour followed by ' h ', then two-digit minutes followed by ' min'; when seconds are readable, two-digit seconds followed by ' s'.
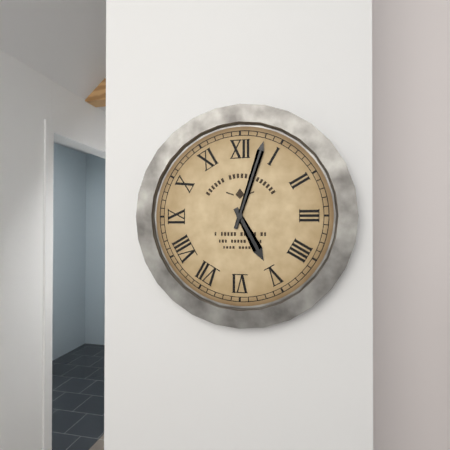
5 h 03 min
